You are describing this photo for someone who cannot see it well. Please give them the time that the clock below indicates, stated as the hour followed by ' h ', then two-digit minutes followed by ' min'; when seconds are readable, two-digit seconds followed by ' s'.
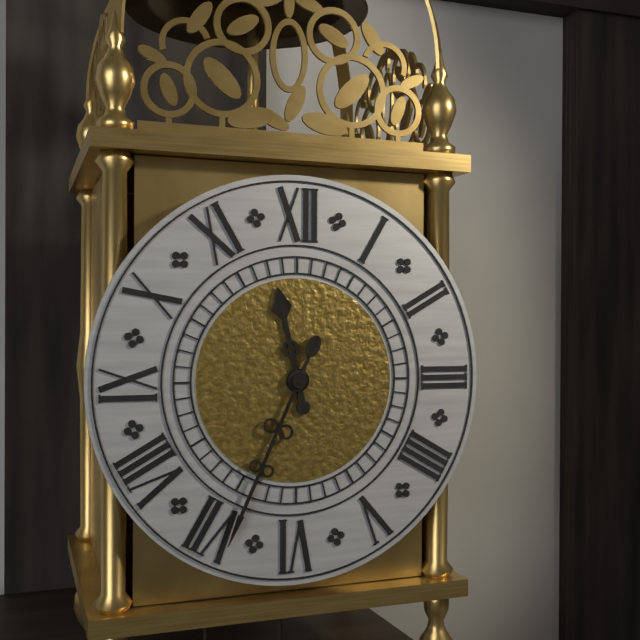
11 h 34 min
